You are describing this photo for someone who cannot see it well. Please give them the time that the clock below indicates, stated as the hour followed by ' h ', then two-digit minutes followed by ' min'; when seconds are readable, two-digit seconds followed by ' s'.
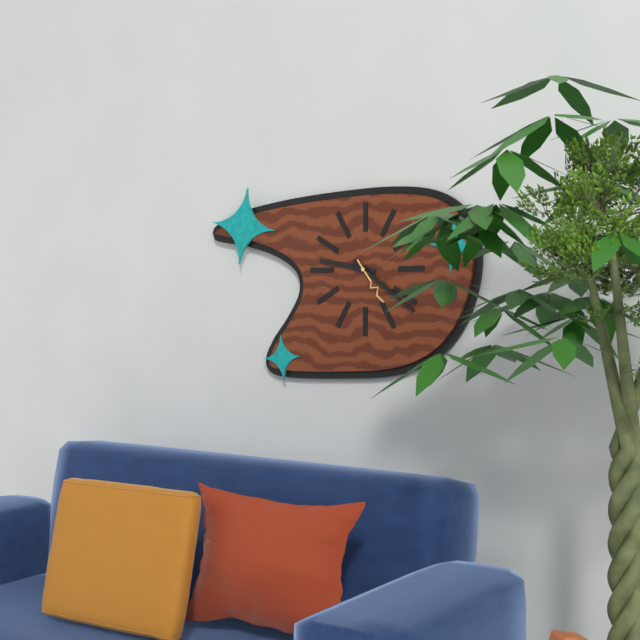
9 h 21 min
